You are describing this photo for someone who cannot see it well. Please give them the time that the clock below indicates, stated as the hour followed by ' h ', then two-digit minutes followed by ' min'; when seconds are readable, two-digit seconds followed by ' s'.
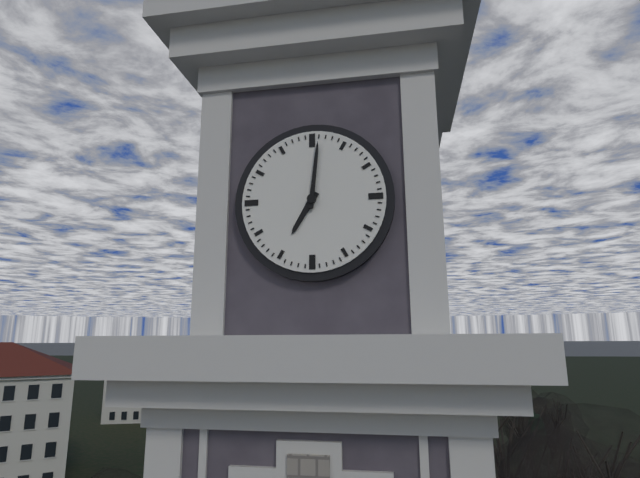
7 h 01 min
